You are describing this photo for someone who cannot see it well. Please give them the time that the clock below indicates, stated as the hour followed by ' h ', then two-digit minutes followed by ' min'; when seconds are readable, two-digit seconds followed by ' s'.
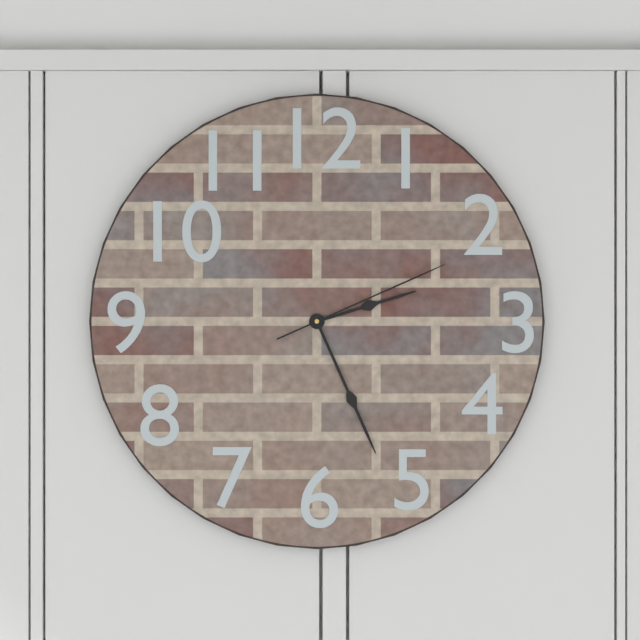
2 h 26 min 11 s
